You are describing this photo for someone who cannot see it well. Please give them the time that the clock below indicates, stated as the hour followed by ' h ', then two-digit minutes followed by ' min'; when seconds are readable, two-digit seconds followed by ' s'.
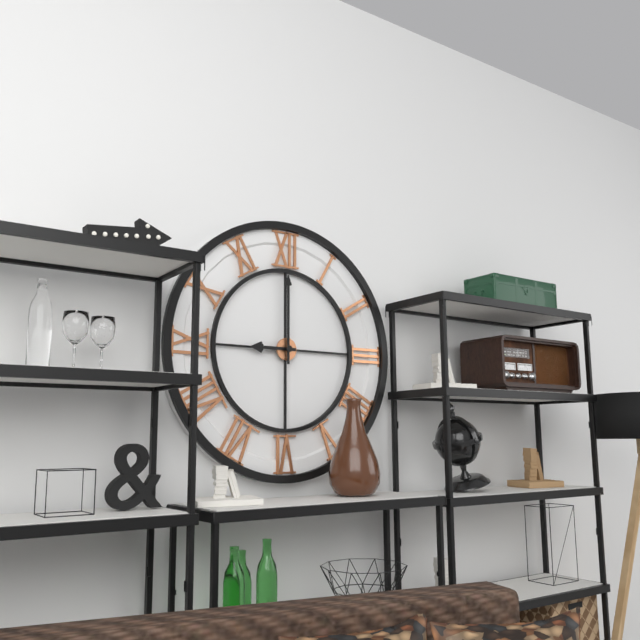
9 h 00 min
